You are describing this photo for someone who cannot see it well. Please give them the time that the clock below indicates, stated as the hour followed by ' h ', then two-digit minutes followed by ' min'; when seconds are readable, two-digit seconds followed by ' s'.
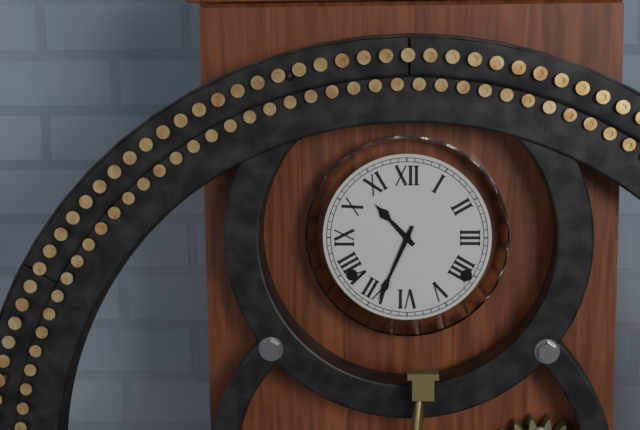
10 h 34 min
